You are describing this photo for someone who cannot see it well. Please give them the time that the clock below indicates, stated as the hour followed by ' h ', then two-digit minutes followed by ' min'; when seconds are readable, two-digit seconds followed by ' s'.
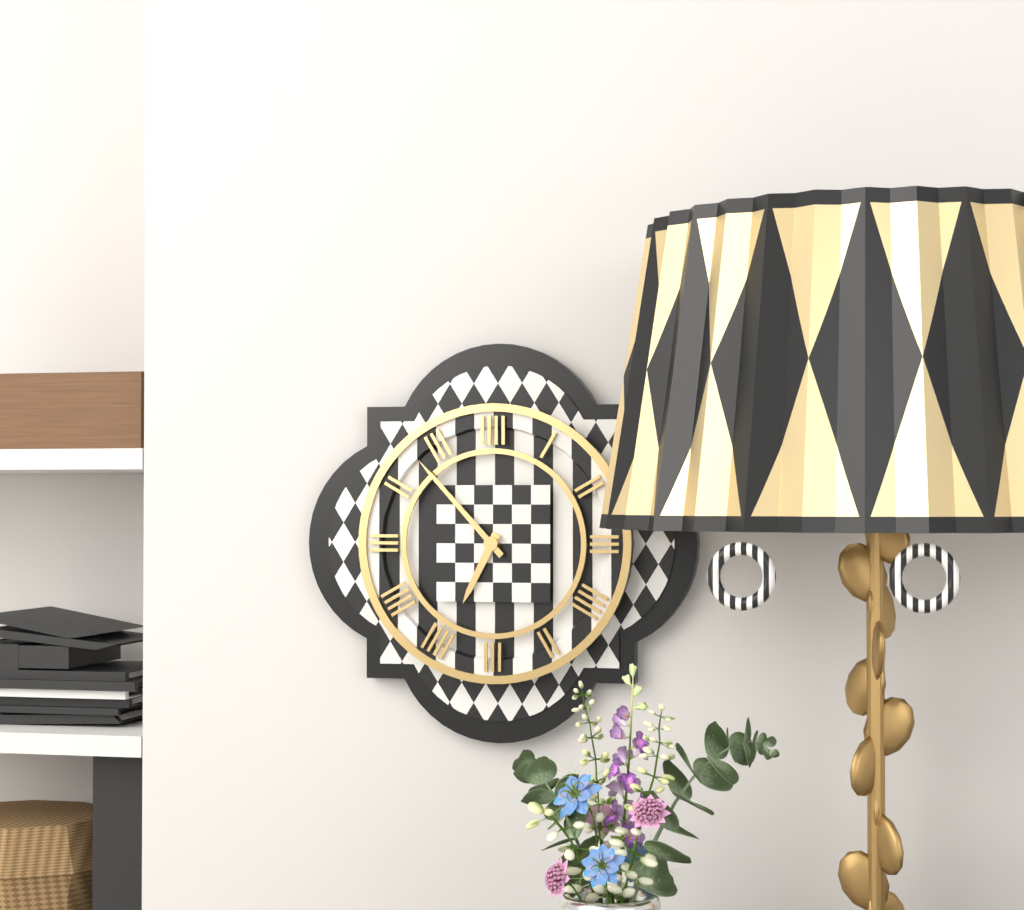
6 h 53 min
